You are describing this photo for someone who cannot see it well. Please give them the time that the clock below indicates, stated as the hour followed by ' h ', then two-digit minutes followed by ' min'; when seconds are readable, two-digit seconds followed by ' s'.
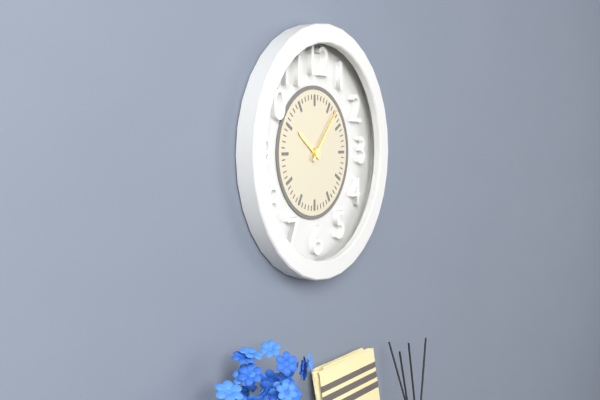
10 h 07 min
